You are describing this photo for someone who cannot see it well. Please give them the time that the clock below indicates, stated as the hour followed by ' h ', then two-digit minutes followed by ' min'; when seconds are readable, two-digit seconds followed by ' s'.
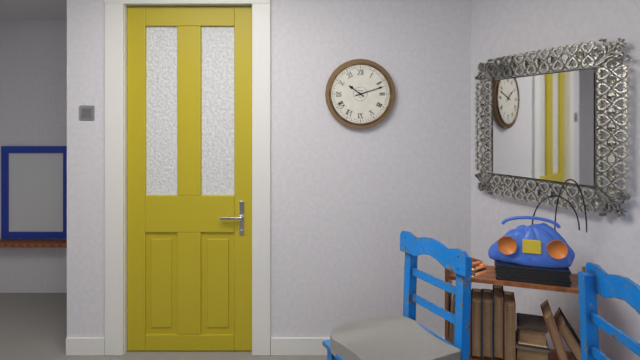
10 h 12 min
